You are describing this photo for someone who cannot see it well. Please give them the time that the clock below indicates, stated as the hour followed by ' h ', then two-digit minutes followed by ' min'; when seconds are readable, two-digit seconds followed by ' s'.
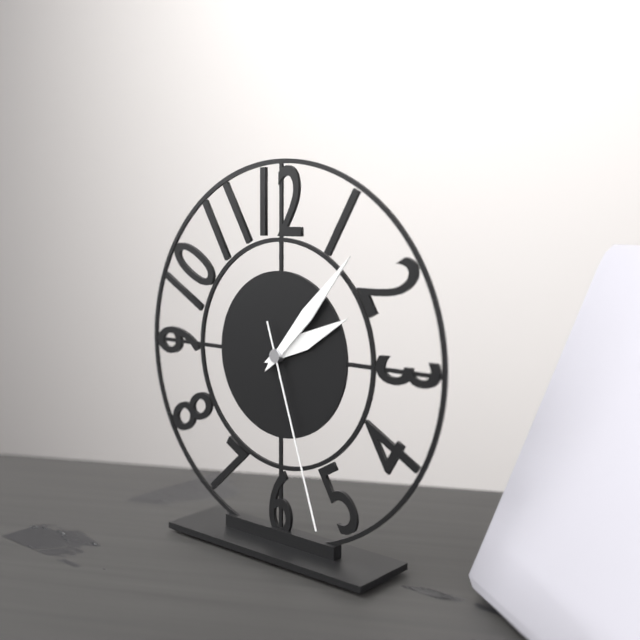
2 h 07 min 27 s
